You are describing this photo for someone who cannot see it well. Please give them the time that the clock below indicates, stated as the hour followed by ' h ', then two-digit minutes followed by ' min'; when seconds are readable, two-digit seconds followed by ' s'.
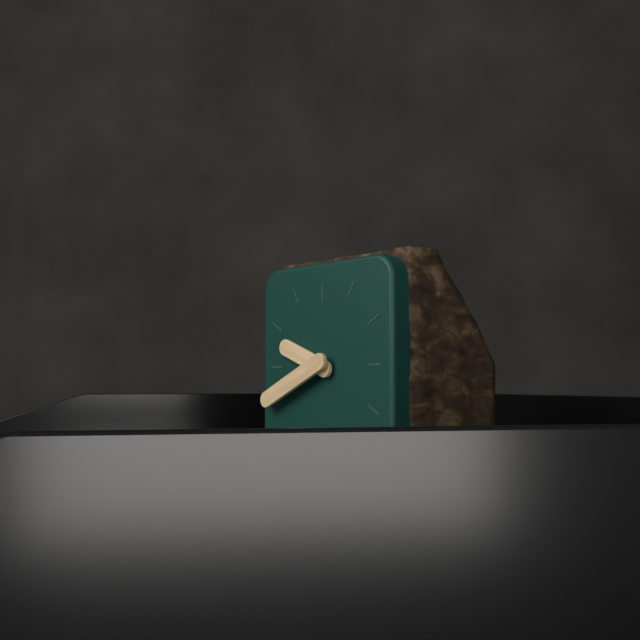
9 h 41 min
